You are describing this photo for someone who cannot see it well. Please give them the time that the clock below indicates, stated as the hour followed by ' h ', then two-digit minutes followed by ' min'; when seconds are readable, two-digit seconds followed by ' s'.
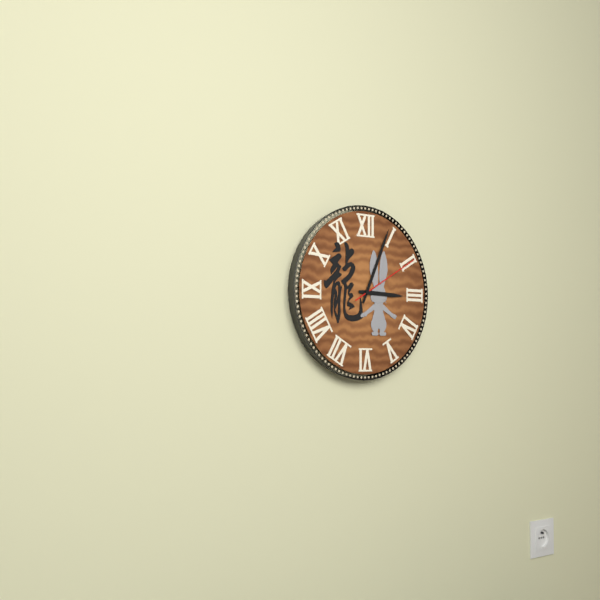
3 h 04 min 10 s
